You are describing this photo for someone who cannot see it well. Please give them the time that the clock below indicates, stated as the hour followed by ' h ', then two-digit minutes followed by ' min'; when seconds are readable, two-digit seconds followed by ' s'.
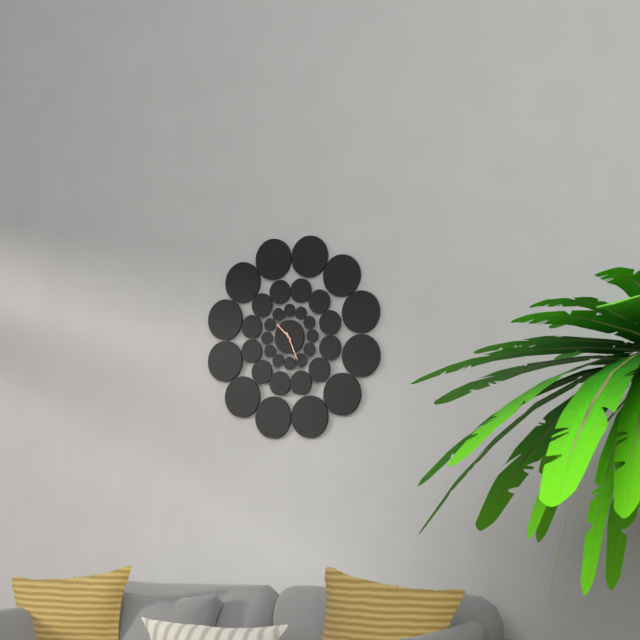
10 h 26 min
